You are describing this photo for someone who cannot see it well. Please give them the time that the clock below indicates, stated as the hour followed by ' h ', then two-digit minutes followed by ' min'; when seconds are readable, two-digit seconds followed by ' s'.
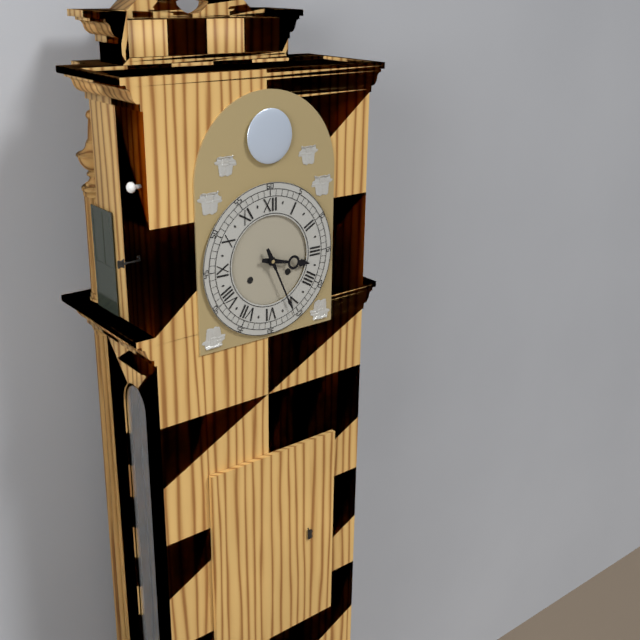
3 h 26 min
